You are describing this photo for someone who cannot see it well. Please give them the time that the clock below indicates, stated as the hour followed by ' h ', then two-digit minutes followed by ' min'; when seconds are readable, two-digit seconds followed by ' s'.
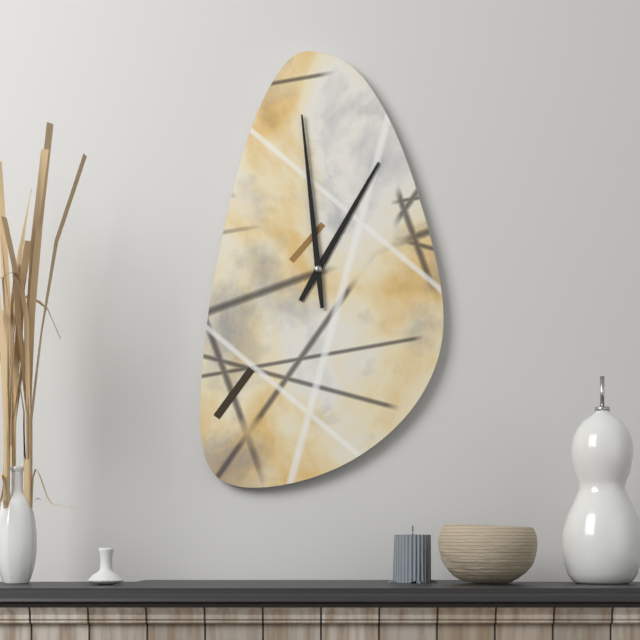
12 h 59 min
